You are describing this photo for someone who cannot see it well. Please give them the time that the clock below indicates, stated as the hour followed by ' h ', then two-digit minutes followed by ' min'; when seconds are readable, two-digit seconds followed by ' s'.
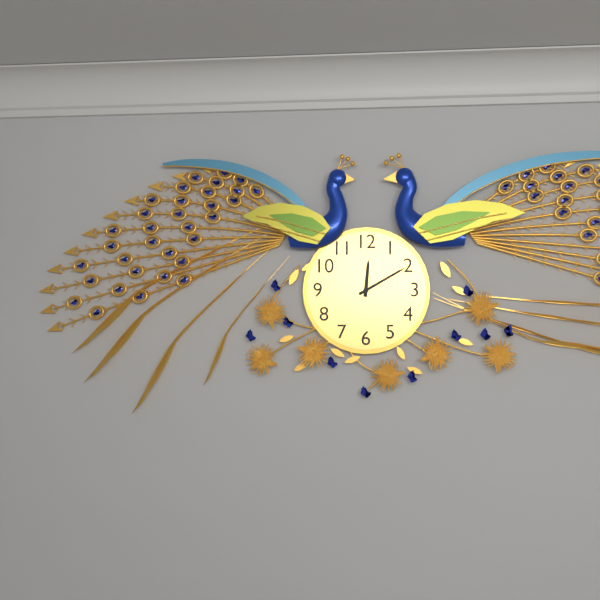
12 h 10 min
